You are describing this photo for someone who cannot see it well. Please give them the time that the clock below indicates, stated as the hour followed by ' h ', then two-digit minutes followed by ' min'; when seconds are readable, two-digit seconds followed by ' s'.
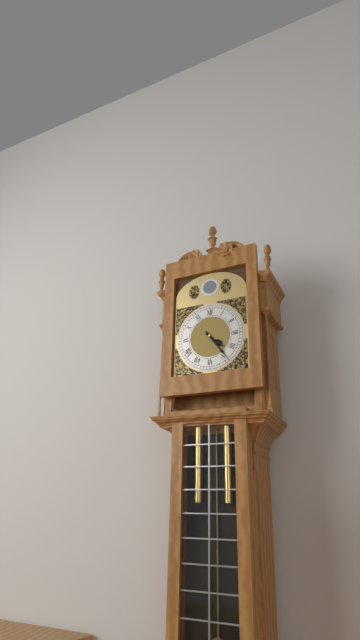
4 h 24 min
